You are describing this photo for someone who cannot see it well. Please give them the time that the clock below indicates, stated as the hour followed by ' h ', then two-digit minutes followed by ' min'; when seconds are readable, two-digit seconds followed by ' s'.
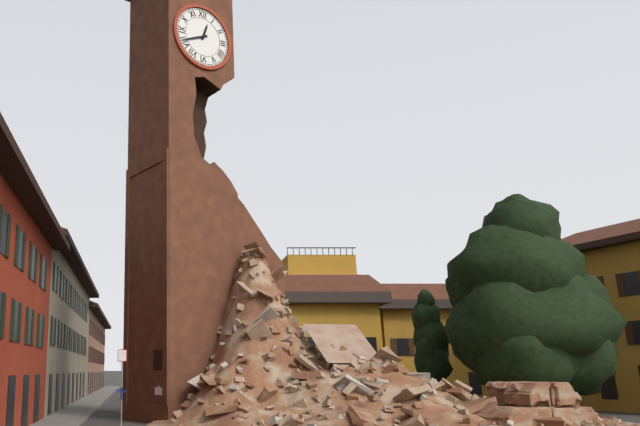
12 h 41 min
